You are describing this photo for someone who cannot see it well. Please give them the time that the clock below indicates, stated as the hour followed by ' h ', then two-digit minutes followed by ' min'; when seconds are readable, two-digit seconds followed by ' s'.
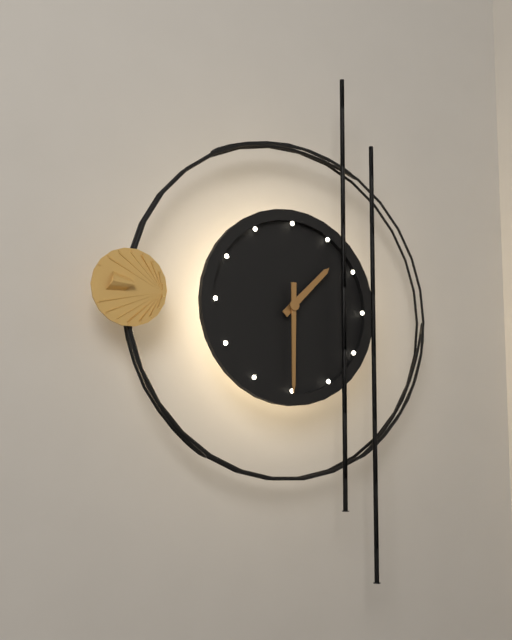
1 h 30 min
